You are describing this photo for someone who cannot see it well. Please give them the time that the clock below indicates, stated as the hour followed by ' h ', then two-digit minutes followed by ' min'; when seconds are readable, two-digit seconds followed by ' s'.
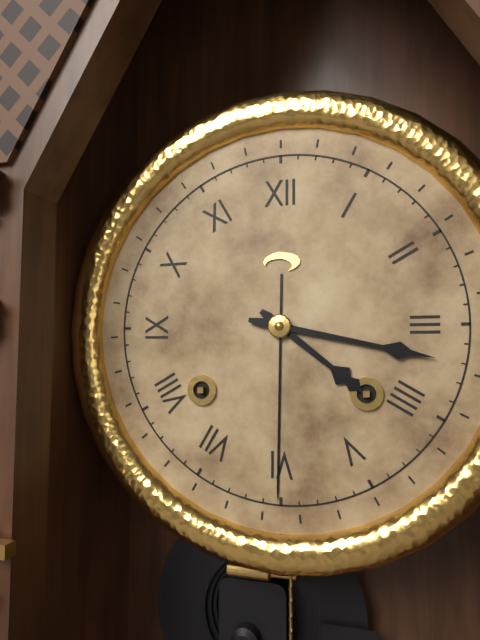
4 h 17 min
